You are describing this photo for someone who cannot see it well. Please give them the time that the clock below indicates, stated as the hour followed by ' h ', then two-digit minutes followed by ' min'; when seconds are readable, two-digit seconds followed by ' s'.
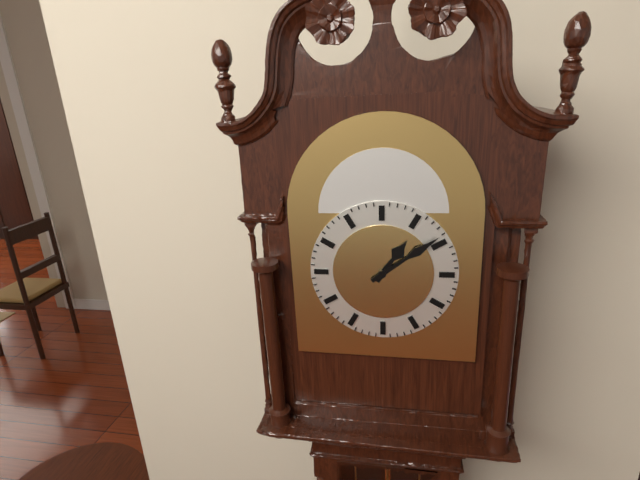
1 h 09 min
